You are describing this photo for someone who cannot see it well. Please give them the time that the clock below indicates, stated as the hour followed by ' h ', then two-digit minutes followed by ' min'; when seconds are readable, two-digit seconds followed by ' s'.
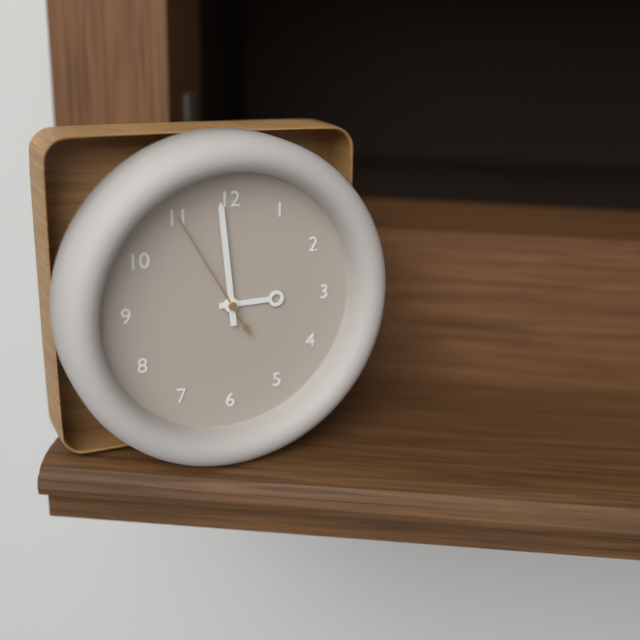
2 h 59 min 55 s
